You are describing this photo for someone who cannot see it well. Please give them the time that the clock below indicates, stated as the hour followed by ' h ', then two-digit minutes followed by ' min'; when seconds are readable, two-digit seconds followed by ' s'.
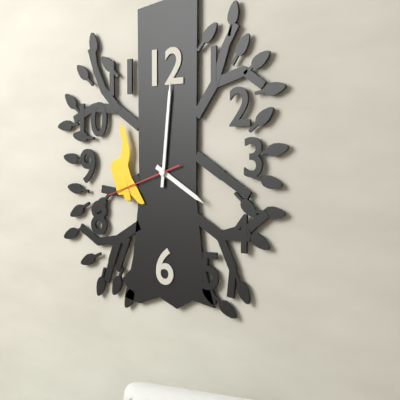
4 h 01 min 42 s
